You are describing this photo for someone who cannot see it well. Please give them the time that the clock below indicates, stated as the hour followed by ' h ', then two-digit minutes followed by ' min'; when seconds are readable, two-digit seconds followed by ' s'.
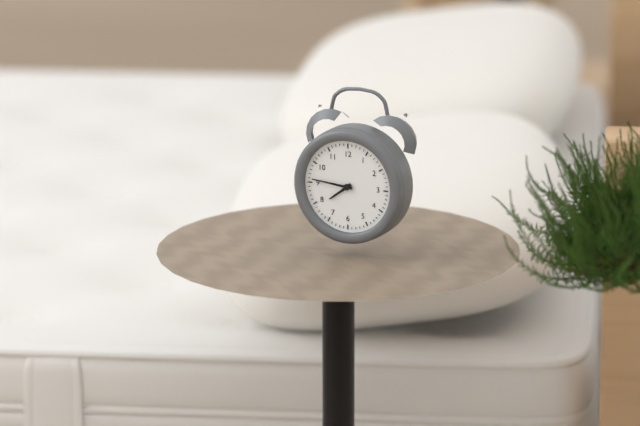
7 h 46 min
